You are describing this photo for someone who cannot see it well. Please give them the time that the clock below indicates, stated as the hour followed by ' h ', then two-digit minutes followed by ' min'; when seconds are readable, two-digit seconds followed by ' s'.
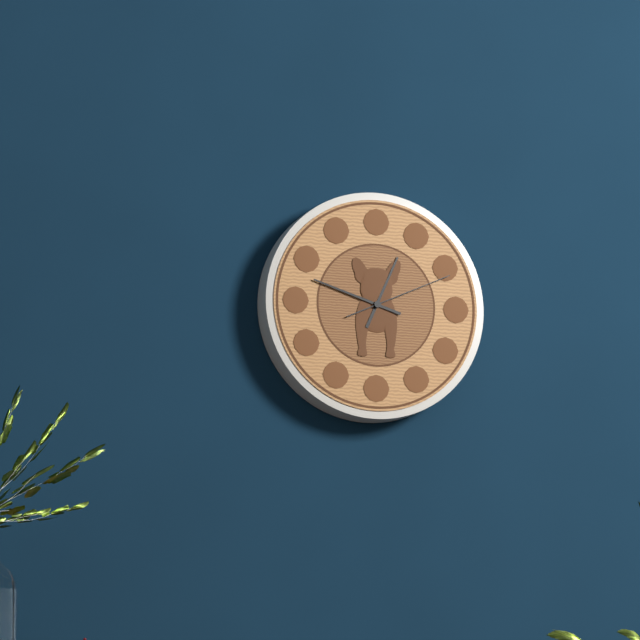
12 h 48 min 11 s
